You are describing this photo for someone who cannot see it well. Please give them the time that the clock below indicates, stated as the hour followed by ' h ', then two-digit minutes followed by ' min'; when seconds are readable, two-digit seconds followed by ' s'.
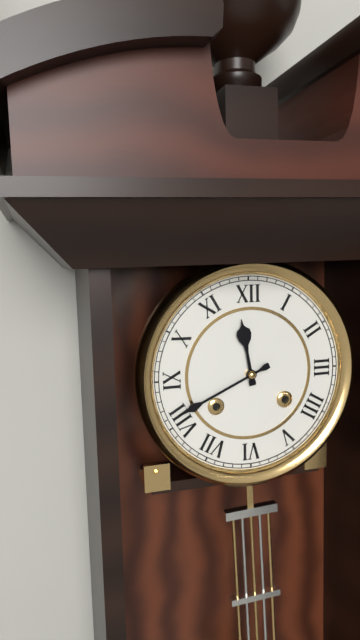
11 h 41 min
